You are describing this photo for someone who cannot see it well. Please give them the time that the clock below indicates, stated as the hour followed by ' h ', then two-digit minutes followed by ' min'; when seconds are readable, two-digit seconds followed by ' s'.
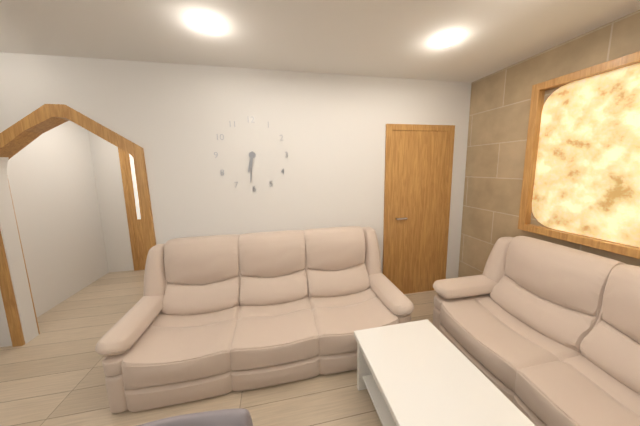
6 h 31 min
